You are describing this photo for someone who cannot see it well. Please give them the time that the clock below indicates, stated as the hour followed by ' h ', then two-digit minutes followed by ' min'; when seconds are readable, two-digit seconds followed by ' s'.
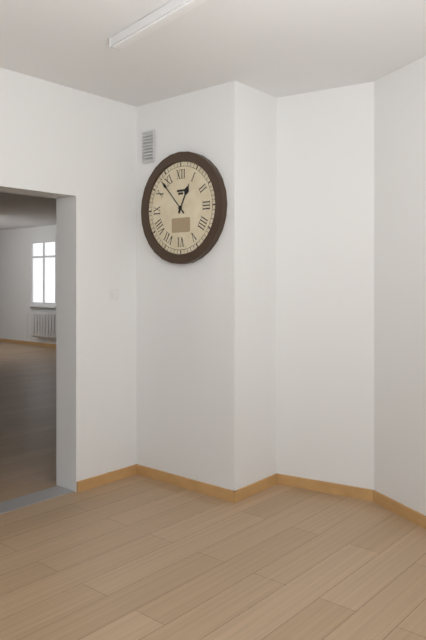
12 h 53 min
